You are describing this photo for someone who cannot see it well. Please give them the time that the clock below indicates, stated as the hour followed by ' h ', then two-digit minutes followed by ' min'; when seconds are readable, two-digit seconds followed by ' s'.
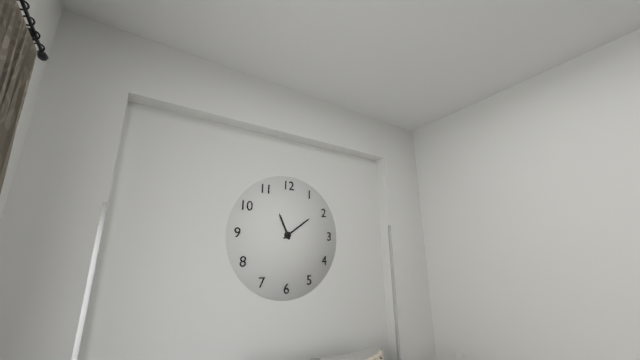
11 h 09 min
